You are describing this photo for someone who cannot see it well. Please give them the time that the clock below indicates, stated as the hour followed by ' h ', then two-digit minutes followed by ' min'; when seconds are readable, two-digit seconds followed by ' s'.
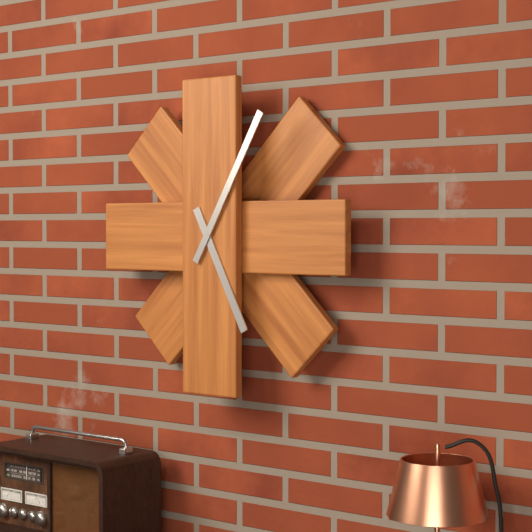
5 h 05 min
